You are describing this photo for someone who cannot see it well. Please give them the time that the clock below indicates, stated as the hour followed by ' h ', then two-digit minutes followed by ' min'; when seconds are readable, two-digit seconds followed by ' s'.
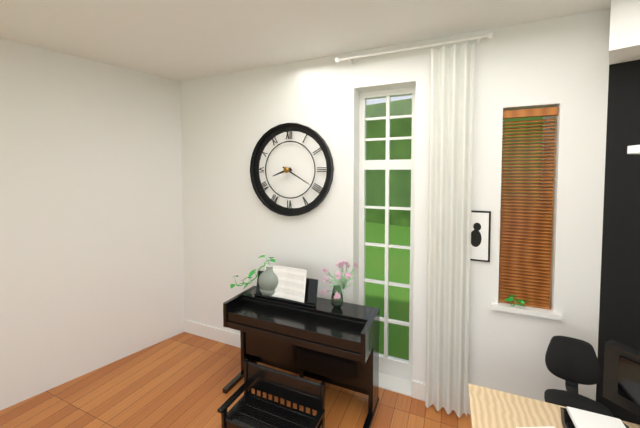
8 h 20 min
